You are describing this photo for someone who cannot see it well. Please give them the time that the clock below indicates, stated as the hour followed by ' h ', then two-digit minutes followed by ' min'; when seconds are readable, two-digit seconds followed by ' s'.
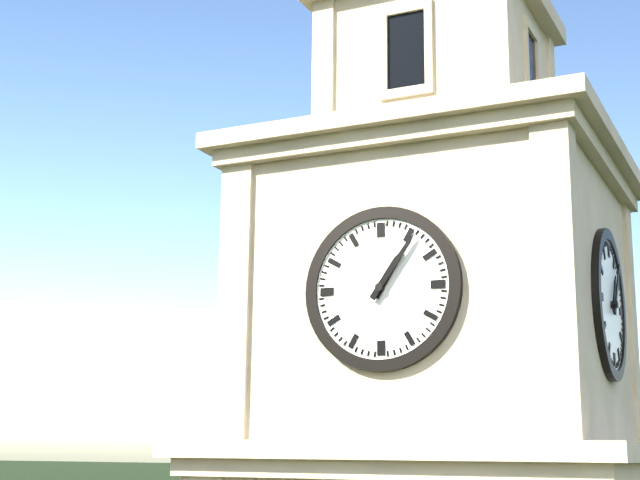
1 h 06 min
